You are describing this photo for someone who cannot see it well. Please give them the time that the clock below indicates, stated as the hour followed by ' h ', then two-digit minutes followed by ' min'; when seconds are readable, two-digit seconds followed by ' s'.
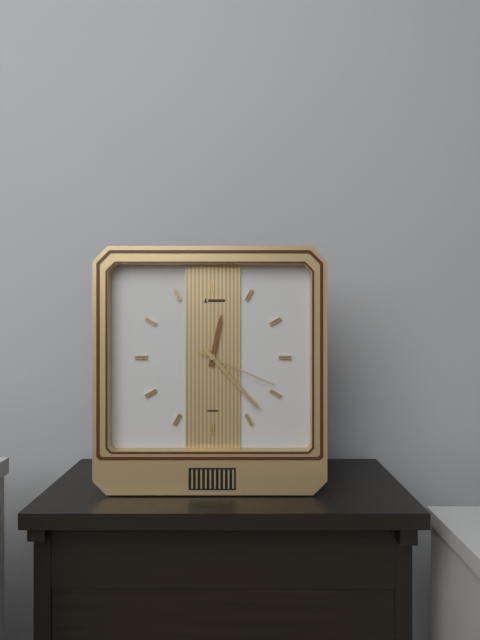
12 h 23 min 19 s
